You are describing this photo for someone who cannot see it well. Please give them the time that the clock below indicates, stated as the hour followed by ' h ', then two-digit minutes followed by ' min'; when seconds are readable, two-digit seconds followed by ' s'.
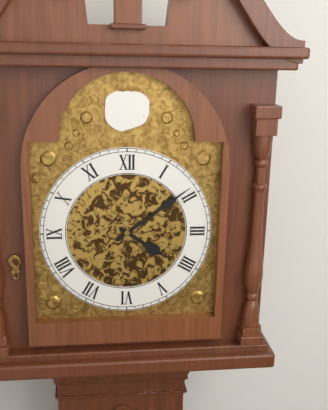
4 h 09 min
